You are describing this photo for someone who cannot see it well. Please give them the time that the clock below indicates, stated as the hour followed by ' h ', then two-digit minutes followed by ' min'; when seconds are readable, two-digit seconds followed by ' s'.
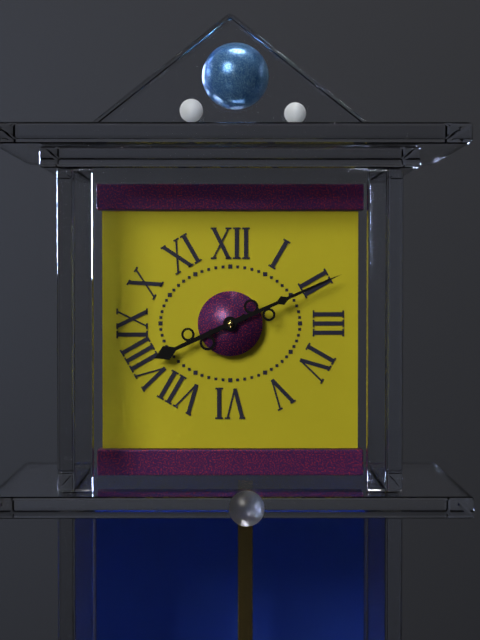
8 h 11 min
